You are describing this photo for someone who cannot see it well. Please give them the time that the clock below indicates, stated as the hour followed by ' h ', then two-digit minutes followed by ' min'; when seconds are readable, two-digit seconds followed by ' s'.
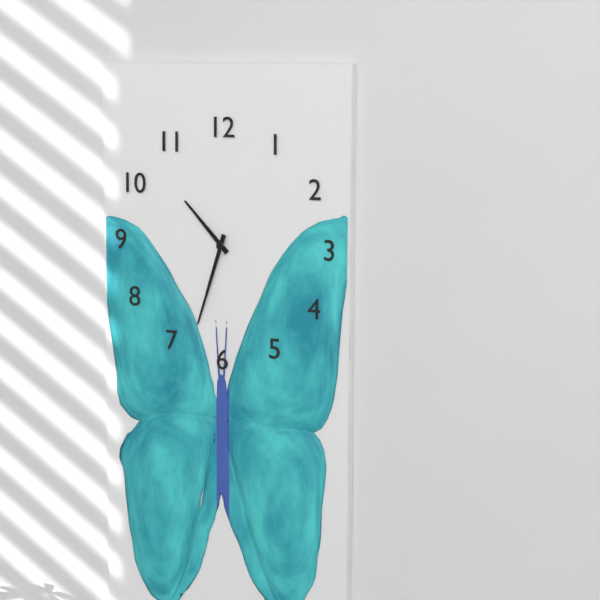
10 h 33 min
